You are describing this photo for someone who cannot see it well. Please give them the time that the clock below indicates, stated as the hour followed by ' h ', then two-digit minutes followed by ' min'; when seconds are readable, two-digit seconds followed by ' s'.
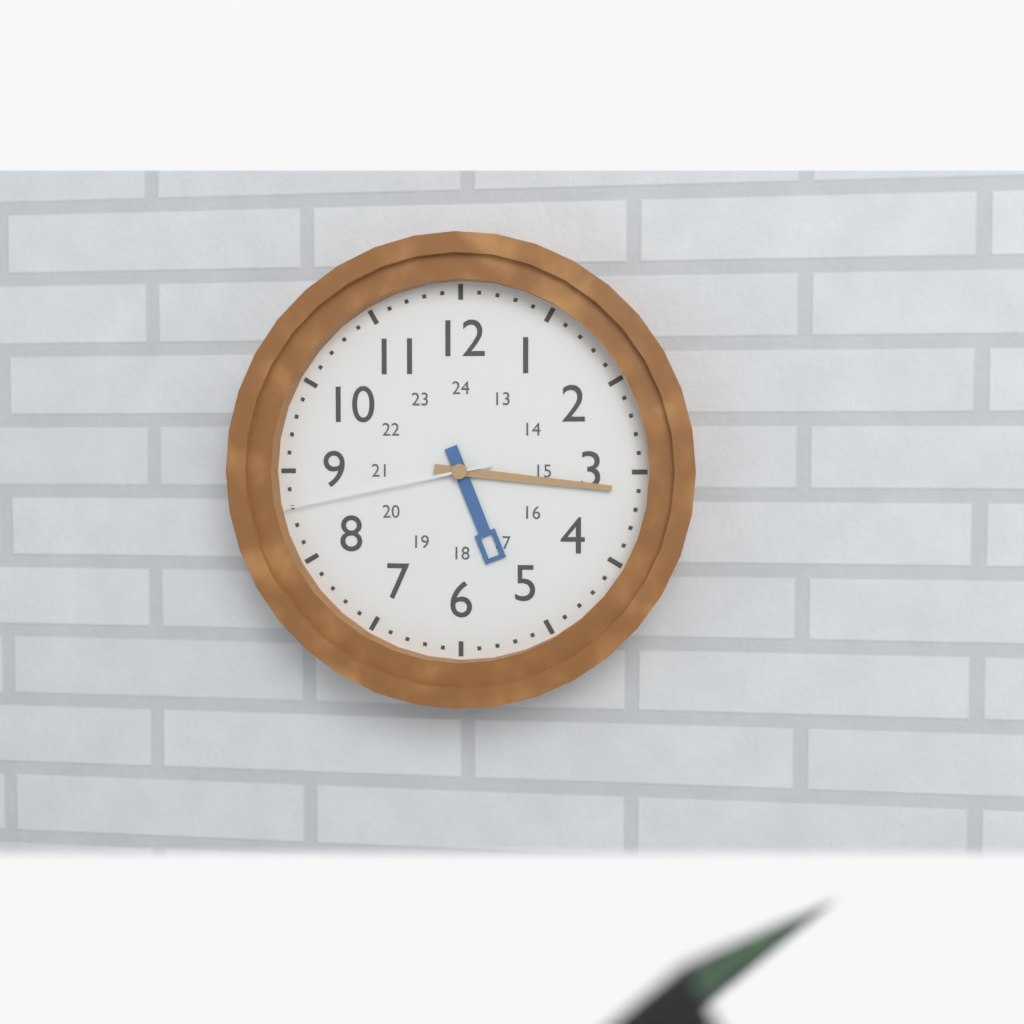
5 h 16 min 43 s
